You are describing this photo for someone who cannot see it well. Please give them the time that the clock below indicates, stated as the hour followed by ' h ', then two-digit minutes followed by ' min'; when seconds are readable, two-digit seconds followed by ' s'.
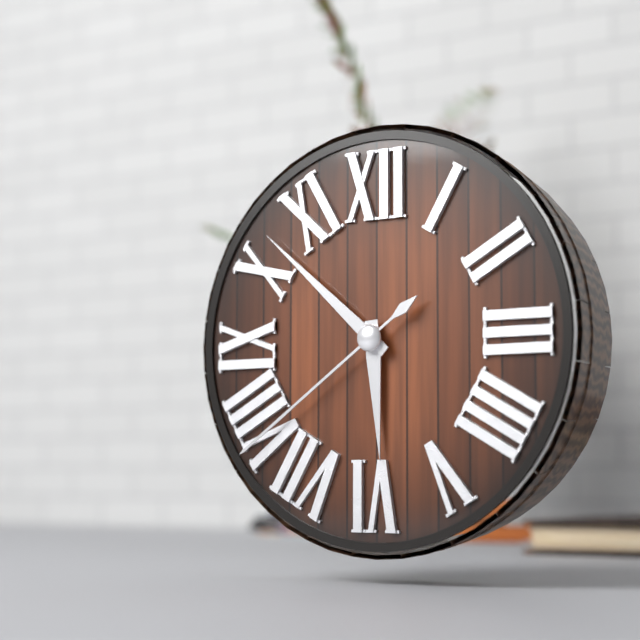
5 h 52 min 39 s
